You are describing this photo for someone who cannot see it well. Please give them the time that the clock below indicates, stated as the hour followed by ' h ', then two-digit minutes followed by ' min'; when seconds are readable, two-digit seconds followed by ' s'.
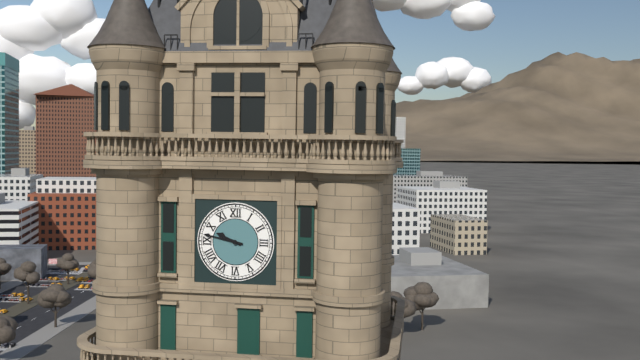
9 h 47 min
